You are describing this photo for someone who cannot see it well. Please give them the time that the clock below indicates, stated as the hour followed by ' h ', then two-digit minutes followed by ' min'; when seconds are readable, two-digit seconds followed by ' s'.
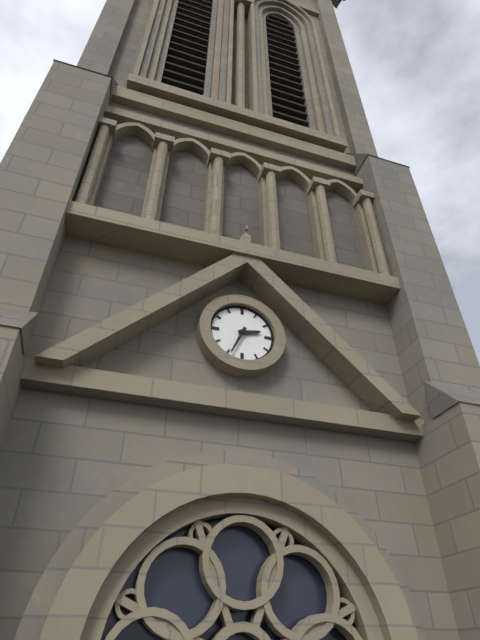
2 h 34 min
